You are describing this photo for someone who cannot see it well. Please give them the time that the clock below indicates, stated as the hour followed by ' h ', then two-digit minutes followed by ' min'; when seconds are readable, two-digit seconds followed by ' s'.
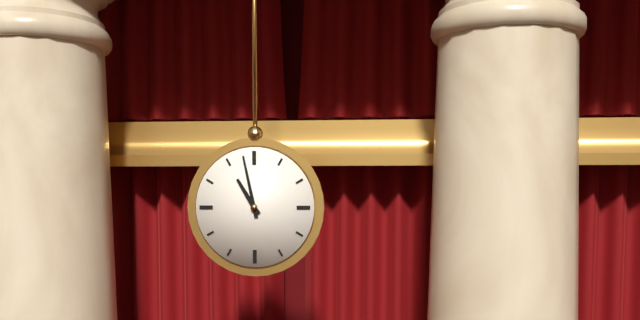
10 h 58 min
